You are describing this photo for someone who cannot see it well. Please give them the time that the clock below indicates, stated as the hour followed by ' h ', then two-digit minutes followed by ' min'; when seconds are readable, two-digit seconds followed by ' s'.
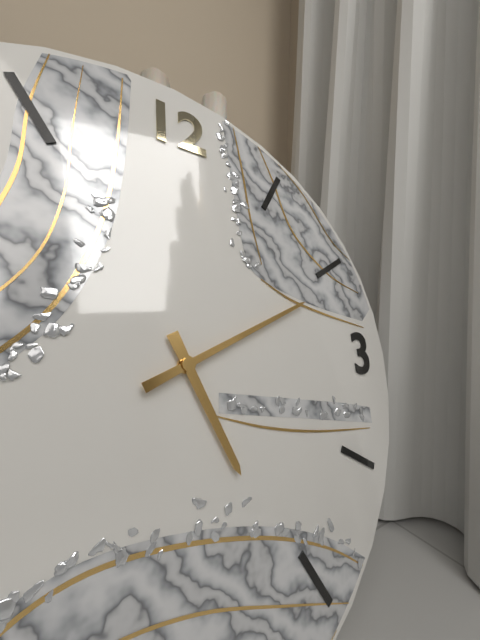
5 h 11 min
